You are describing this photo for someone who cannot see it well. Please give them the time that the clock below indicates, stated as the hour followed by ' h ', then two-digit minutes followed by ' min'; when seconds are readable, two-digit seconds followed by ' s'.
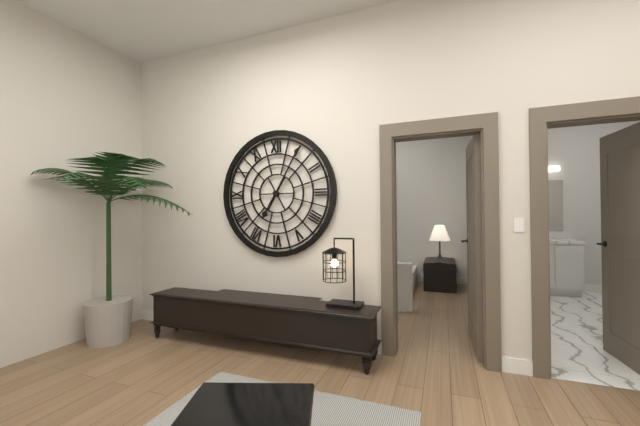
7 h 05 min
